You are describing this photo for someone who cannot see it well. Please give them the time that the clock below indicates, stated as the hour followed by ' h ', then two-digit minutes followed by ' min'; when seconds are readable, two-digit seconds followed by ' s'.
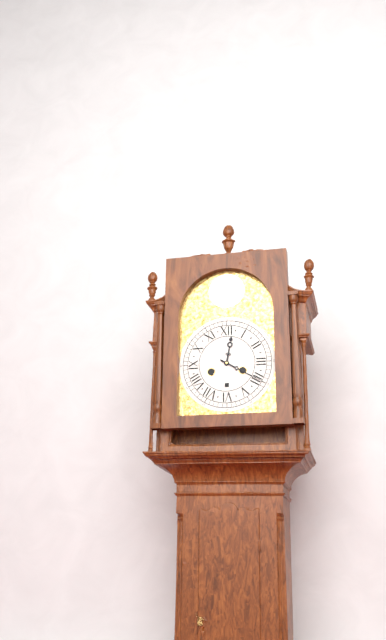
12 h 20 min
